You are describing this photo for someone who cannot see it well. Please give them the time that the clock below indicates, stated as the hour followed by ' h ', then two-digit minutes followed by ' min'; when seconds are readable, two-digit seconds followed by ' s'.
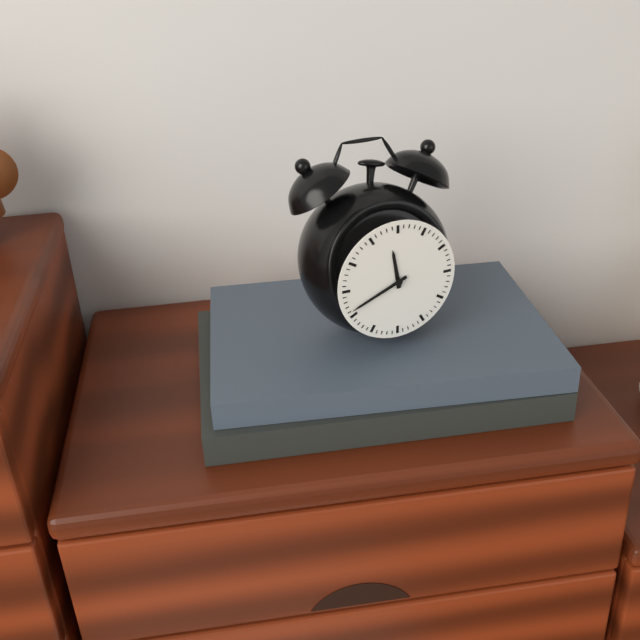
11 h 41 min
